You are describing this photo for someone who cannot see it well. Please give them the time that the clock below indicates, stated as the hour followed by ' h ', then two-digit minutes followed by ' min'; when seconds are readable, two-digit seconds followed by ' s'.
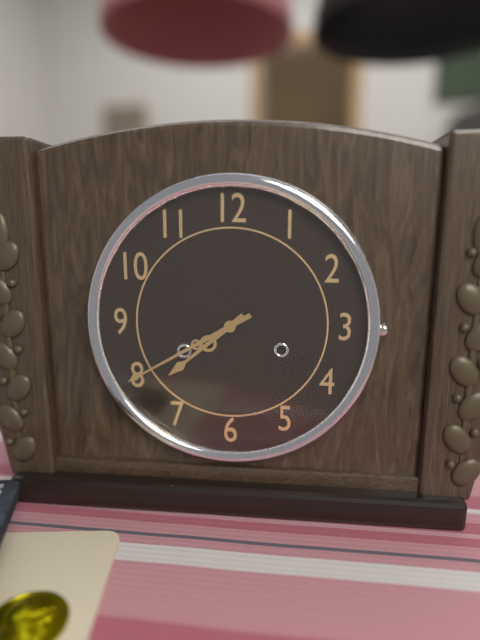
7 h 40 min
